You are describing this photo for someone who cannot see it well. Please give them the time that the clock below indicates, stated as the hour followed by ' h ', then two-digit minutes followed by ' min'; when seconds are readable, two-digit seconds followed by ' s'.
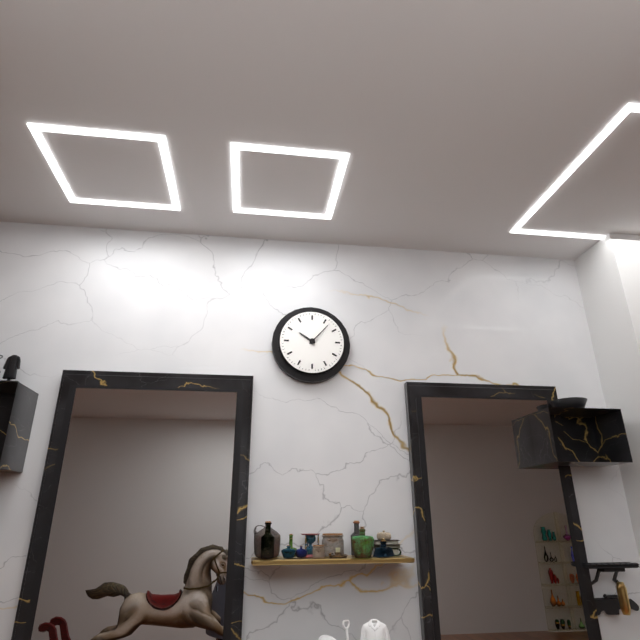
10 h 07 min
